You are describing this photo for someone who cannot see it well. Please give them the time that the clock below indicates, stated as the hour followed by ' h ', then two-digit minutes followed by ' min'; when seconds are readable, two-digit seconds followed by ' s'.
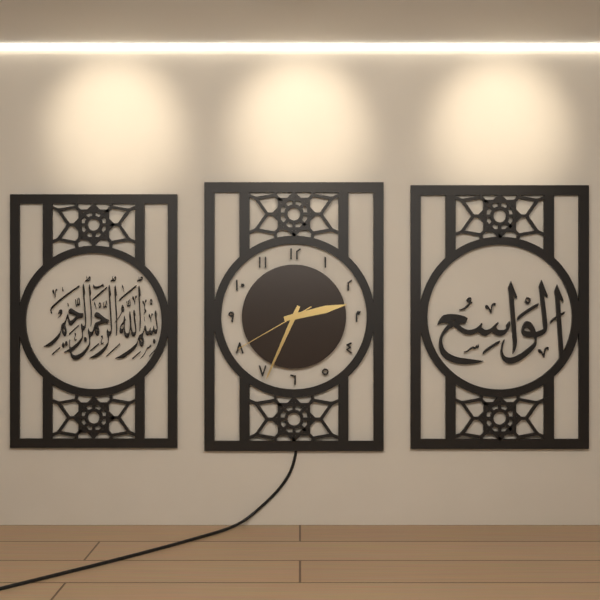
2 h 34 min 40 s
